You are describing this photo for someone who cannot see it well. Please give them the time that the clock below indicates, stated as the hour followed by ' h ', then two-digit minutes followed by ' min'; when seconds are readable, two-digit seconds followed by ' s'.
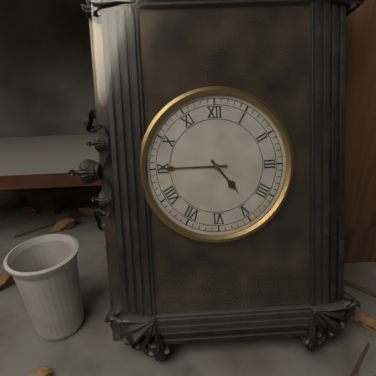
4 h 45 min
